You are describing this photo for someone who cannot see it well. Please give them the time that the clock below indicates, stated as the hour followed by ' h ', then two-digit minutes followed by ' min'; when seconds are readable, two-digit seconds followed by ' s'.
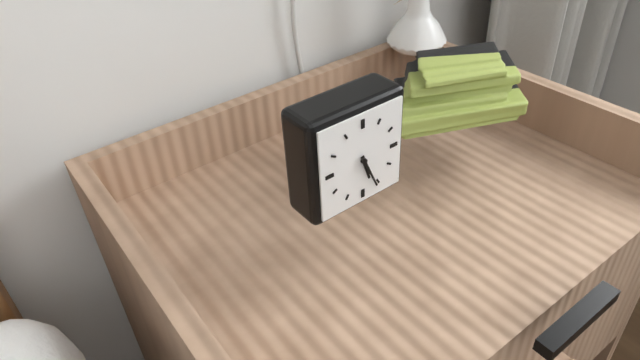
5 h 26 min
